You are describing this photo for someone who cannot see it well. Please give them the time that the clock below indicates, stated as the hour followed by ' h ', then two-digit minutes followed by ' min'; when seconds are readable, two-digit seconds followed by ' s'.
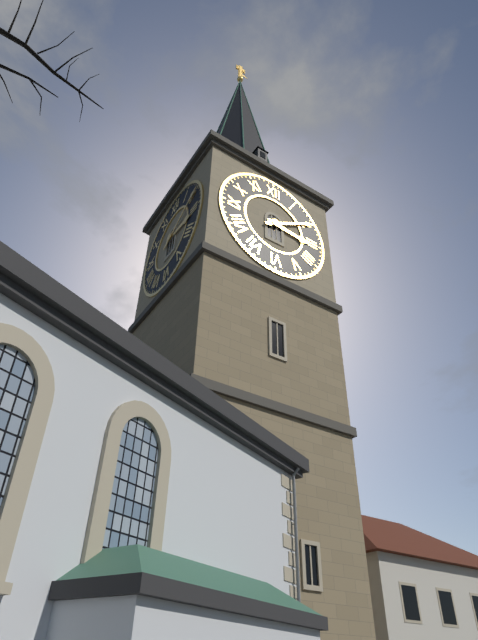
3 h 10 min
